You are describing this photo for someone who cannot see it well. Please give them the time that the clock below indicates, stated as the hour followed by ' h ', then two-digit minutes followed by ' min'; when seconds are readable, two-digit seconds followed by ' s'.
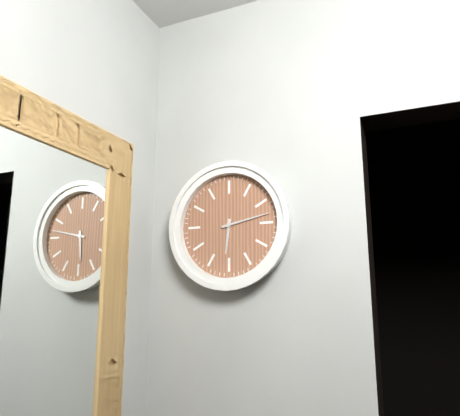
6 h 13 min
